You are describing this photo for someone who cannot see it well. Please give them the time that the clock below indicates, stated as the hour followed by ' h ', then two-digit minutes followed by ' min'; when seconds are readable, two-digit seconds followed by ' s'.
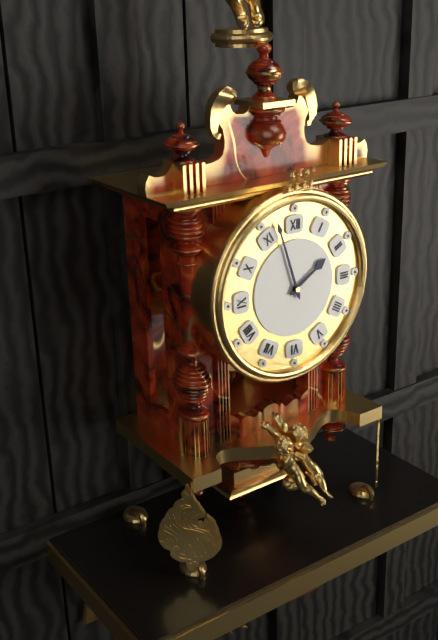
1 h 57 min
